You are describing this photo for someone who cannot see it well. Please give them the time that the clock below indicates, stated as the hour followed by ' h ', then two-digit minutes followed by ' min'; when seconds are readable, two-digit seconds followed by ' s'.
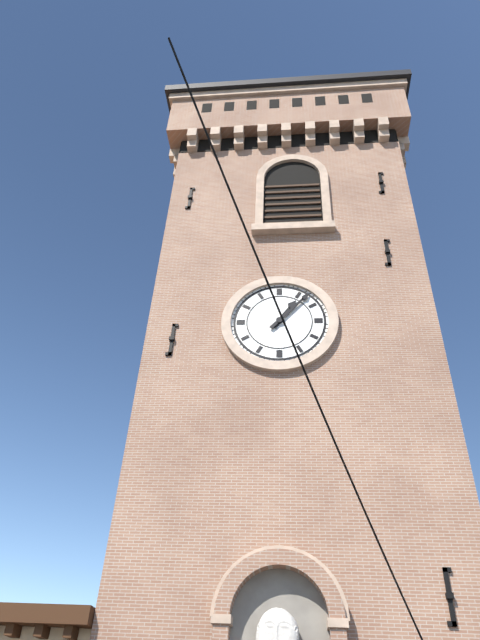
1 h 07 min
